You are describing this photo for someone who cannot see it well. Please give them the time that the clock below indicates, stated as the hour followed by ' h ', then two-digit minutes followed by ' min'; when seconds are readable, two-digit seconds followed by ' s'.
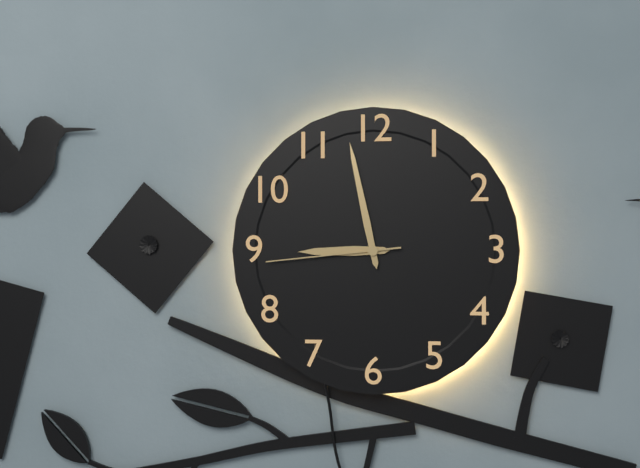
8 h 58 min 44 s
